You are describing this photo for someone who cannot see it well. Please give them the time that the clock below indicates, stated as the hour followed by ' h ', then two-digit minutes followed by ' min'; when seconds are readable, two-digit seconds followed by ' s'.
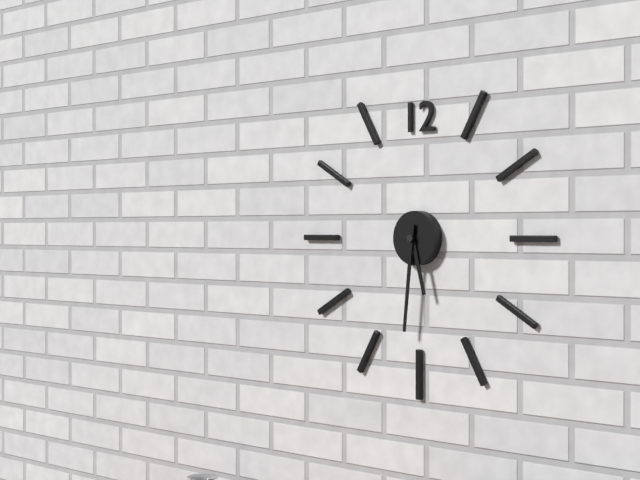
5 h 31 min
